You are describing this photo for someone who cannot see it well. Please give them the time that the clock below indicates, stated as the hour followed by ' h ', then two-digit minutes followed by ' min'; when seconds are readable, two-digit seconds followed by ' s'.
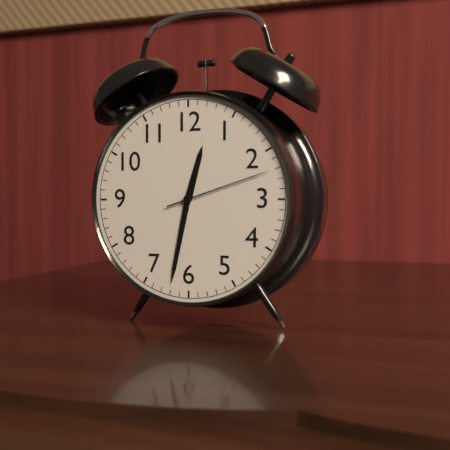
12 h 32 min 12 s
